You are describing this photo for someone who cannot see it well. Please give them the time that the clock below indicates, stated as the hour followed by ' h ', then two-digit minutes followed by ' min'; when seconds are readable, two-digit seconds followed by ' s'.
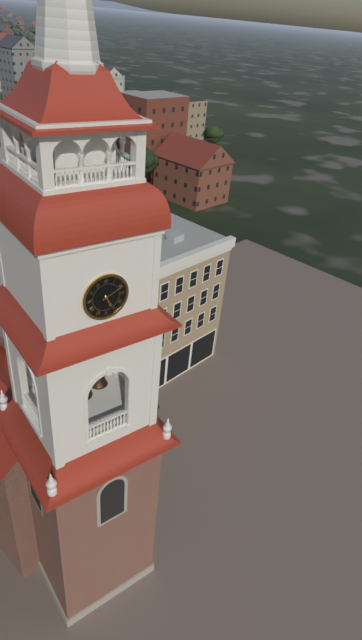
5 h 11 min
